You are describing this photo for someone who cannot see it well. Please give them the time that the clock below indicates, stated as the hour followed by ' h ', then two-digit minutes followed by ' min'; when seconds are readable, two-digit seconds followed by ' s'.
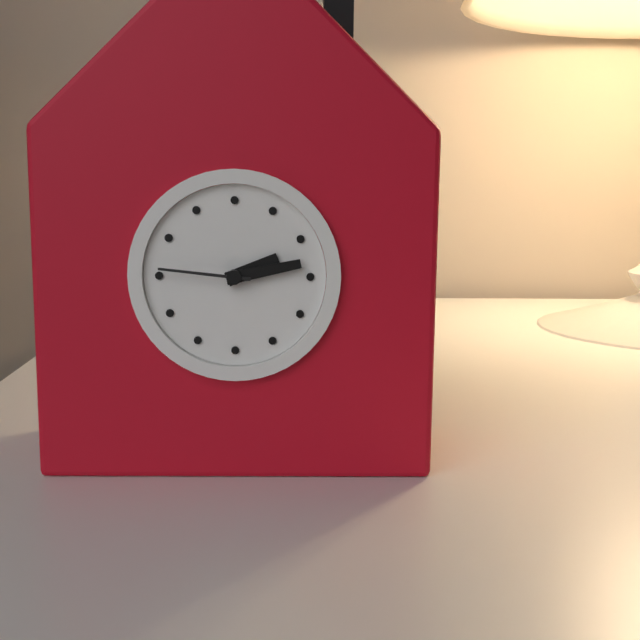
2 h 13 min 46 s
